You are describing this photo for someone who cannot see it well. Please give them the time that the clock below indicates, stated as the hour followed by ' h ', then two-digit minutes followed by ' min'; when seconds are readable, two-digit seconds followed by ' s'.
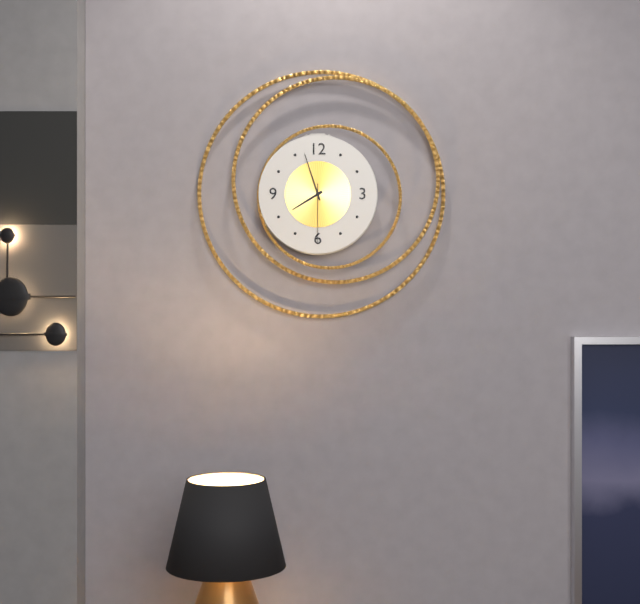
7 h 57 min 30 s
